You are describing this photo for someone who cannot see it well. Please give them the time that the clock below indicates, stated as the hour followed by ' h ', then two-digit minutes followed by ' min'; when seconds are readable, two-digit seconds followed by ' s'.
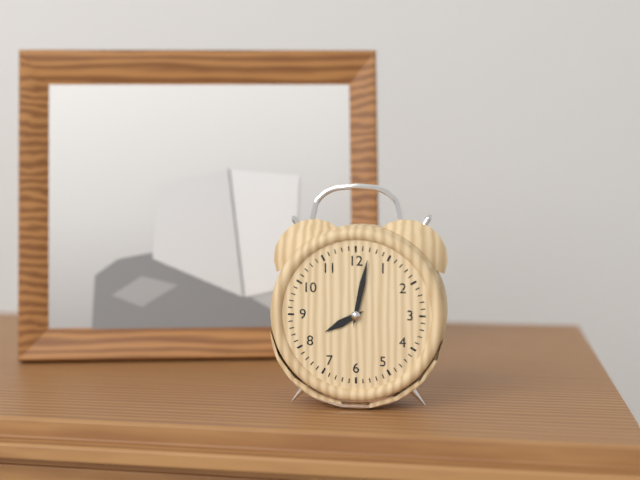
8 h 02 min
